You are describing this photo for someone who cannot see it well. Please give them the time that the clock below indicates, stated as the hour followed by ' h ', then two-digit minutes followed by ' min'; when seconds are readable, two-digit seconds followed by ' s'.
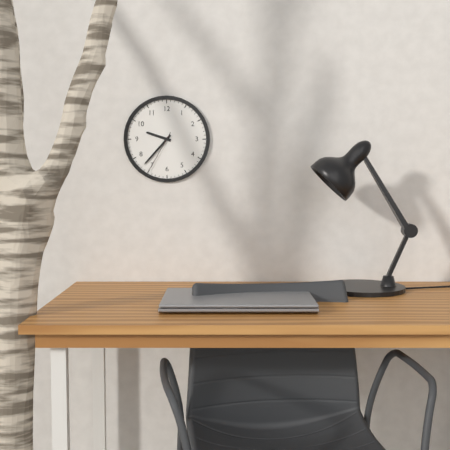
9 h 37 min
